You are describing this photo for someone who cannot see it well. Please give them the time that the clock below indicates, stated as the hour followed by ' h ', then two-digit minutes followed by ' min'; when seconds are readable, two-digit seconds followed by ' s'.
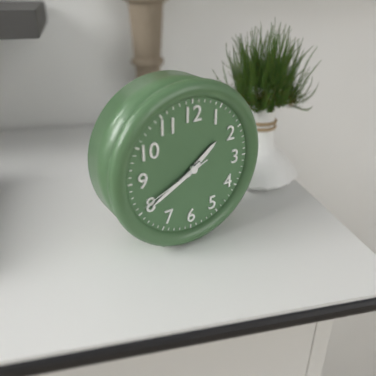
1 h 40 min 41 s
